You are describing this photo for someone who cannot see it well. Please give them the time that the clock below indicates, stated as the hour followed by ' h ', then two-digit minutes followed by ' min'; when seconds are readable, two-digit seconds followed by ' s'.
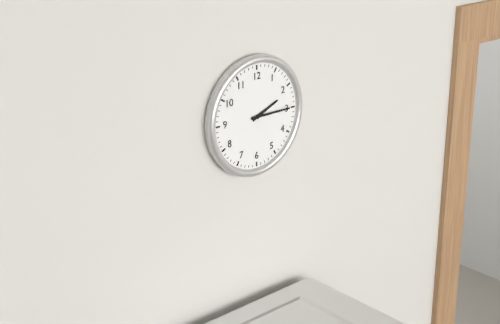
2 h 15 min
